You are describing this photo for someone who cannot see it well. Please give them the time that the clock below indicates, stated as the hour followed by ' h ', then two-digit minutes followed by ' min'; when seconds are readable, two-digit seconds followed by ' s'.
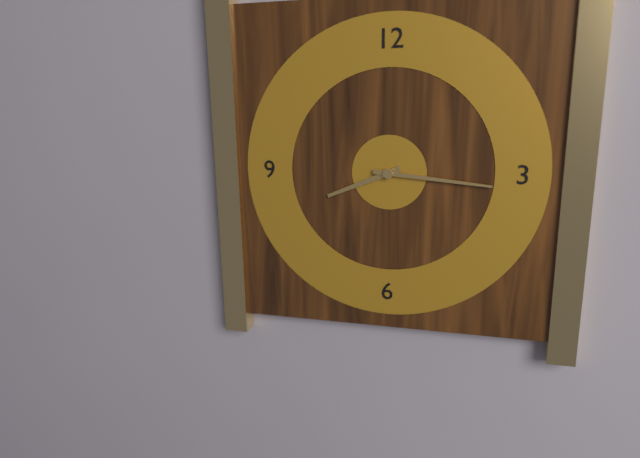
8 h 16 min
